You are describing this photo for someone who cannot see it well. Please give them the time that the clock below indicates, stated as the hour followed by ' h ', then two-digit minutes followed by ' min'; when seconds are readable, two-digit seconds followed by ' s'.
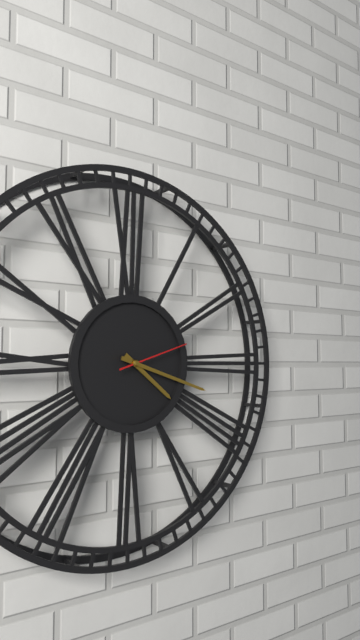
4 h 18 min 12 s
